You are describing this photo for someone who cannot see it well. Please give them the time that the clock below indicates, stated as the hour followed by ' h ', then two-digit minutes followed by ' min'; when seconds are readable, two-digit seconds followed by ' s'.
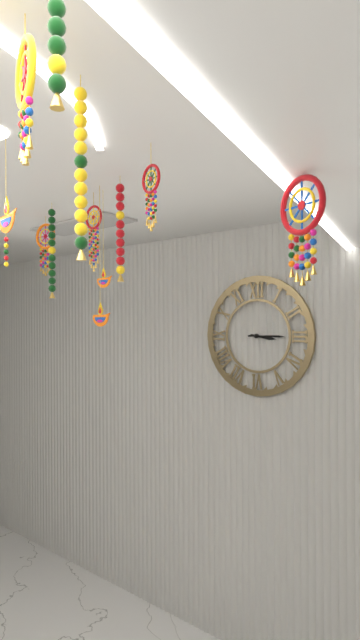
3 h 15 min
